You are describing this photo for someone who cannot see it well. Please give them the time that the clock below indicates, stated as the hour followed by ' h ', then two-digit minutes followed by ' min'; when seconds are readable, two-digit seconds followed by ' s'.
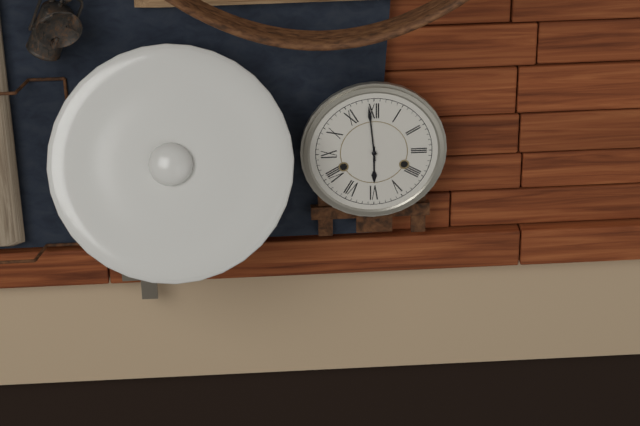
5 h 59 min
